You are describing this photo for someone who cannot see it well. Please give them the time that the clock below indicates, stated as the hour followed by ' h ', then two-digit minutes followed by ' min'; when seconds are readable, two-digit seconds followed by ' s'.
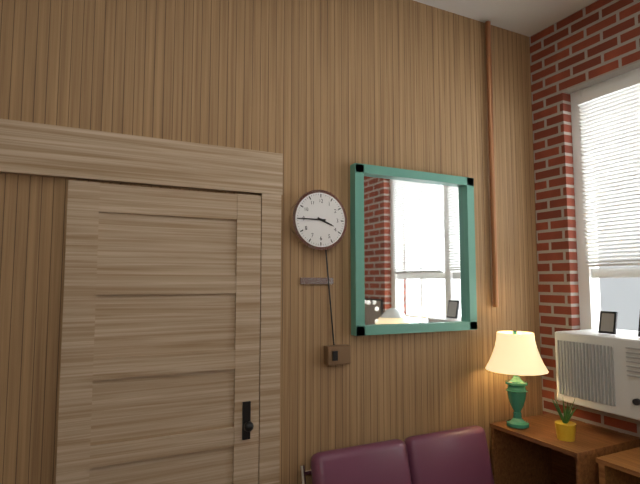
3 h 45 min
